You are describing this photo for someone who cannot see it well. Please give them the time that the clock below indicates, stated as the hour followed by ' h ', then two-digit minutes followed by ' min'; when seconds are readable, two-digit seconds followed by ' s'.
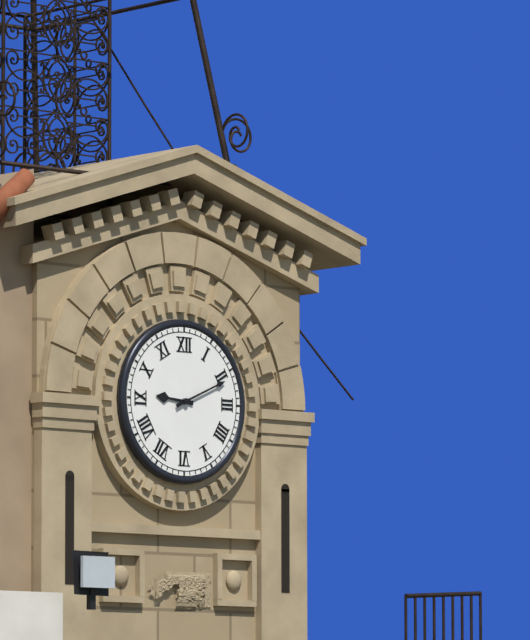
9 h 11 min
